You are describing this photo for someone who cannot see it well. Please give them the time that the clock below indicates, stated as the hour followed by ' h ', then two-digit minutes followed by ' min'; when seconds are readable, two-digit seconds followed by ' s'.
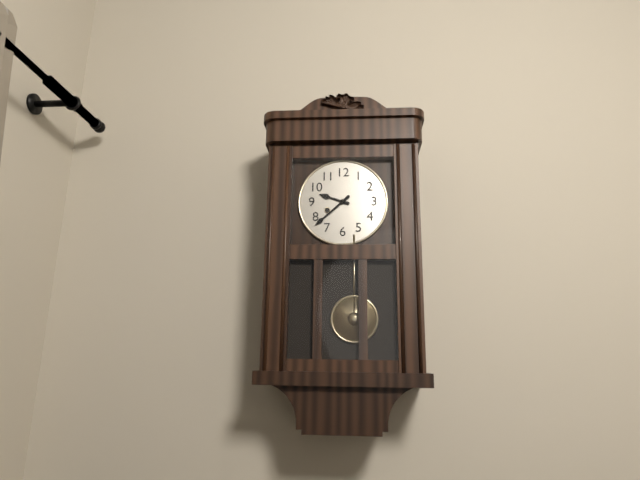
9 h 38 min
